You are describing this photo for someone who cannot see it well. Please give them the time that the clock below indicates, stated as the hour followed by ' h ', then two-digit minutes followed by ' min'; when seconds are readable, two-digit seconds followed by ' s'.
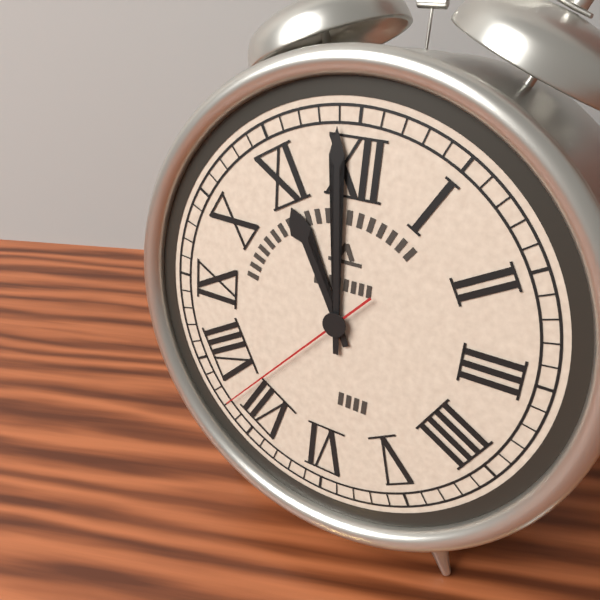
10 h 59 min 37 s
